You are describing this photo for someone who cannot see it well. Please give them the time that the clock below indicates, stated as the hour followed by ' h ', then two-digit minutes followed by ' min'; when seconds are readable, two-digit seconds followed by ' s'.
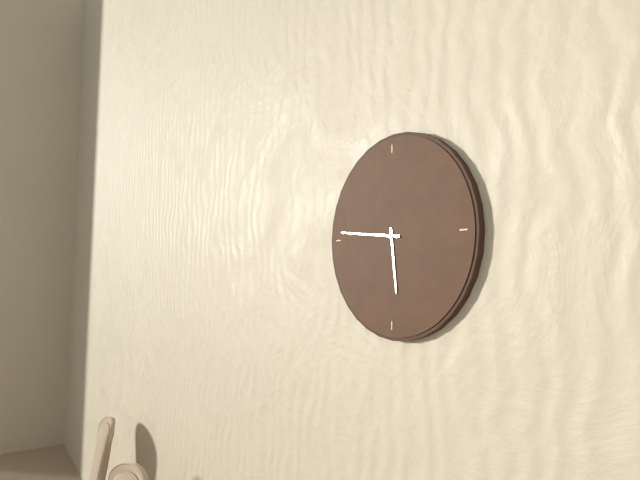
5 h 46 min
